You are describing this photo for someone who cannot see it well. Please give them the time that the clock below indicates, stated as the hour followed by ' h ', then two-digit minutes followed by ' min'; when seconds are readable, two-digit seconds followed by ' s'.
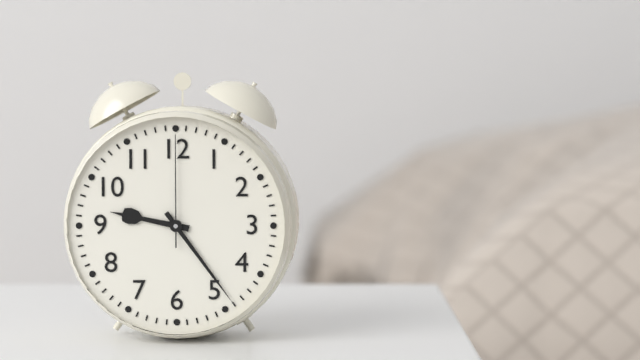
9 h 24 min 00 s
